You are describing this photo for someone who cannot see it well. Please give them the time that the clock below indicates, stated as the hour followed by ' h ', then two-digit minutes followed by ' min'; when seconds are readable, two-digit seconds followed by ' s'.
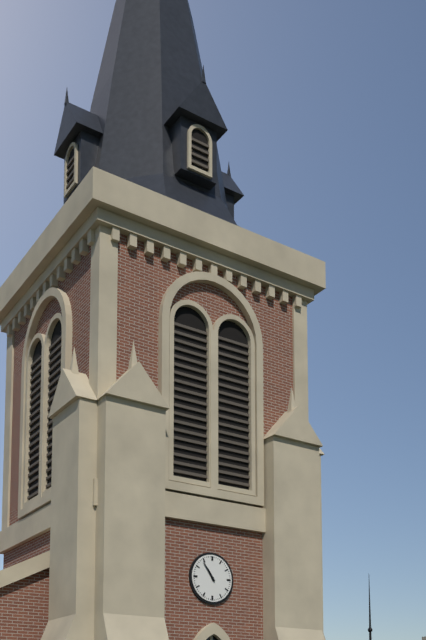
10 h 54 min
